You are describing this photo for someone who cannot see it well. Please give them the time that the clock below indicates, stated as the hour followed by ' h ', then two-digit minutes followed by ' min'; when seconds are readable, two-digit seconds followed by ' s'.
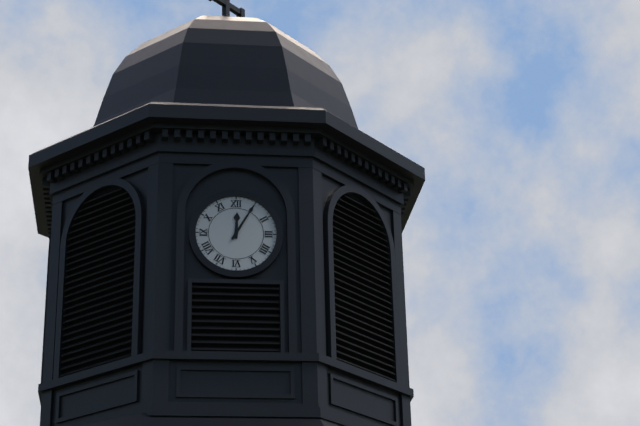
12 h 05 min
